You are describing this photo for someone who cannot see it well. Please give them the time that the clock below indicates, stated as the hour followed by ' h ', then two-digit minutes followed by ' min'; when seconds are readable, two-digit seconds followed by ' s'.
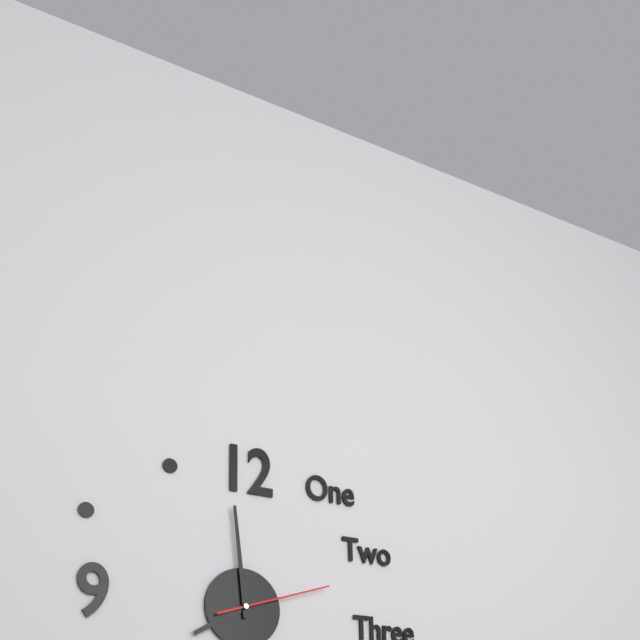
7 h 59 min 12 s
